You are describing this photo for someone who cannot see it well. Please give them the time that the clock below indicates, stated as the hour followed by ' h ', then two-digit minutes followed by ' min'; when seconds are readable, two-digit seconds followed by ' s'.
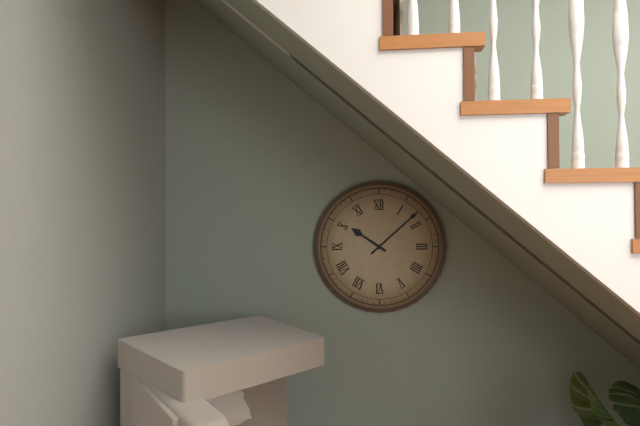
10 h 08 min
